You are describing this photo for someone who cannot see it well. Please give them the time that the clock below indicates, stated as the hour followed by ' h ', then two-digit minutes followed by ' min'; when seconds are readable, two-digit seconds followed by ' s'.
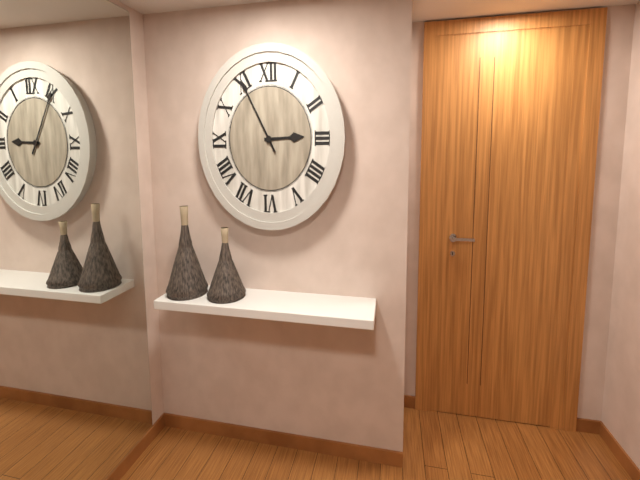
2 h 55 min
